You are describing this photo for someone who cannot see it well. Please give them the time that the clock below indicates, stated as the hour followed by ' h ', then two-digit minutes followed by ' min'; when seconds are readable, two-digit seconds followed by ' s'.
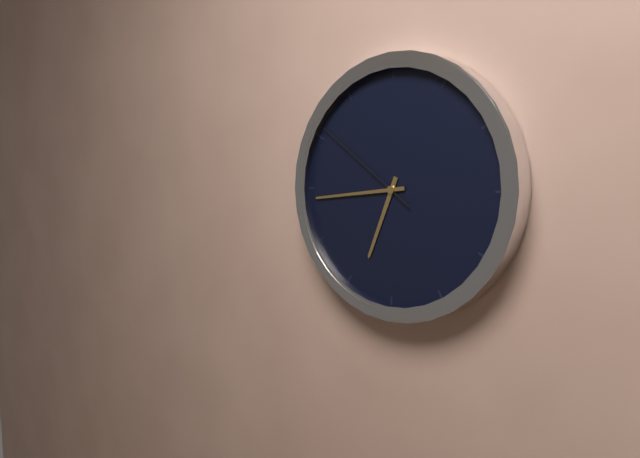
6 h 44 min 51 s
